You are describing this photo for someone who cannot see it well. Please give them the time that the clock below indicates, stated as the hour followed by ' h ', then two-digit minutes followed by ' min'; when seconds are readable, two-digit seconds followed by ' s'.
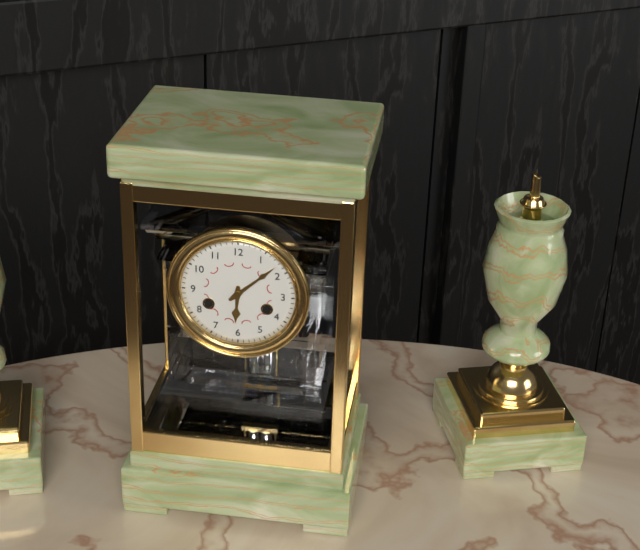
6 h 08 min
